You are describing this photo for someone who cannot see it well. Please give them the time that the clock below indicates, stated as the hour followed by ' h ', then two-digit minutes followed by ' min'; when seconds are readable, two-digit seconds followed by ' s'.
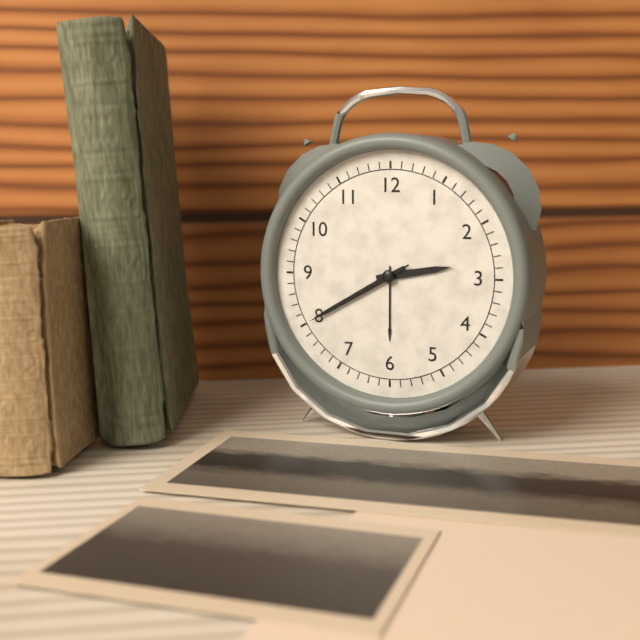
2 h 40 min 40 s
